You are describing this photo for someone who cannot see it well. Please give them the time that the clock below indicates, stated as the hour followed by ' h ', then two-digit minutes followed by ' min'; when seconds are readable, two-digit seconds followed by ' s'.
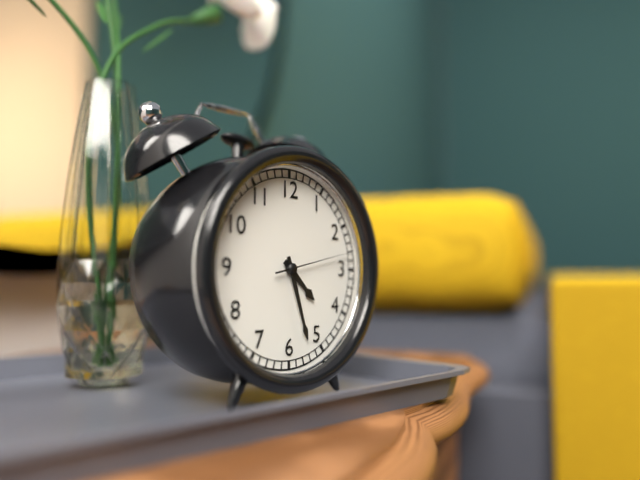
4 h 27 min 13 s
